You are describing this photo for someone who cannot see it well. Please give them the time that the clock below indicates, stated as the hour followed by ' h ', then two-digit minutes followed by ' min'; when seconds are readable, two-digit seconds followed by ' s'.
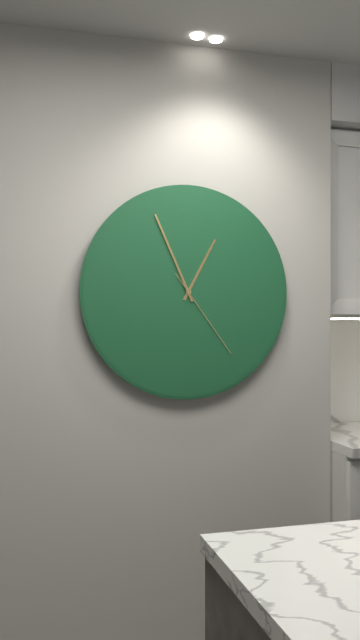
12 h 56 min 24 s
